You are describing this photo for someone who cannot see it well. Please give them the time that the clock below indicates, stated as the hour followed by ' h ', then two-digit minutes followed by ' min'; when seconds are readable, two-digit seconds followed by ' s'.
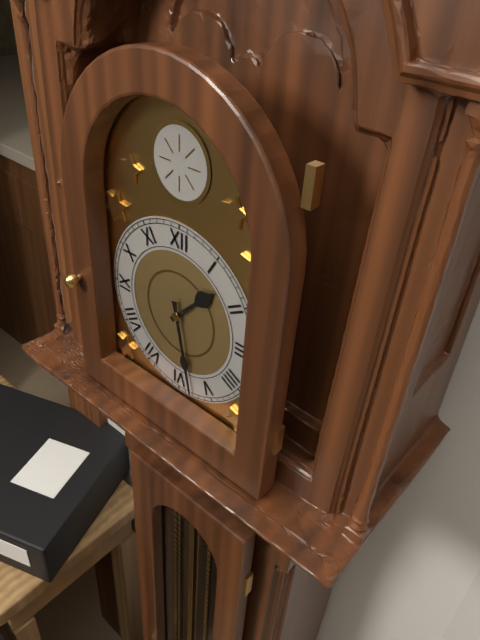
1 h 28 min
